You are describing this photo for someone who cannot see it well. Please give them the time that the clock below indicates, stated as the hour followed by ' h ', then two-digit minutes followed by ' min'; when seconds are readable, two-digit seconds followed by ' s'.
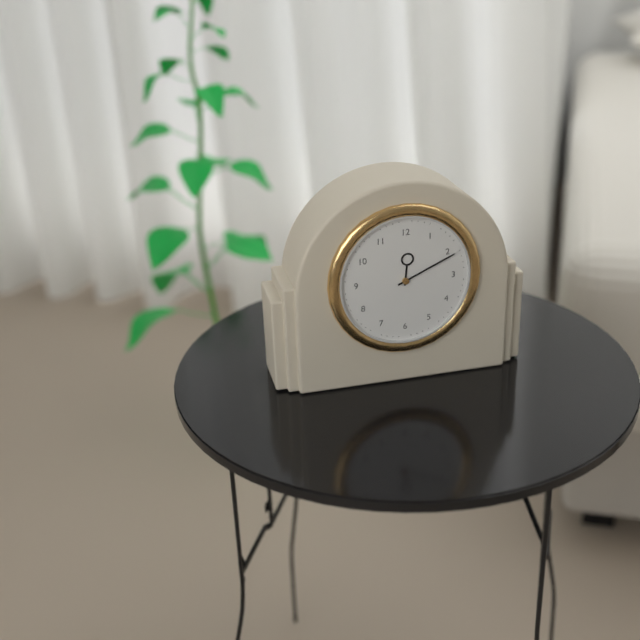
12 h 11 min
